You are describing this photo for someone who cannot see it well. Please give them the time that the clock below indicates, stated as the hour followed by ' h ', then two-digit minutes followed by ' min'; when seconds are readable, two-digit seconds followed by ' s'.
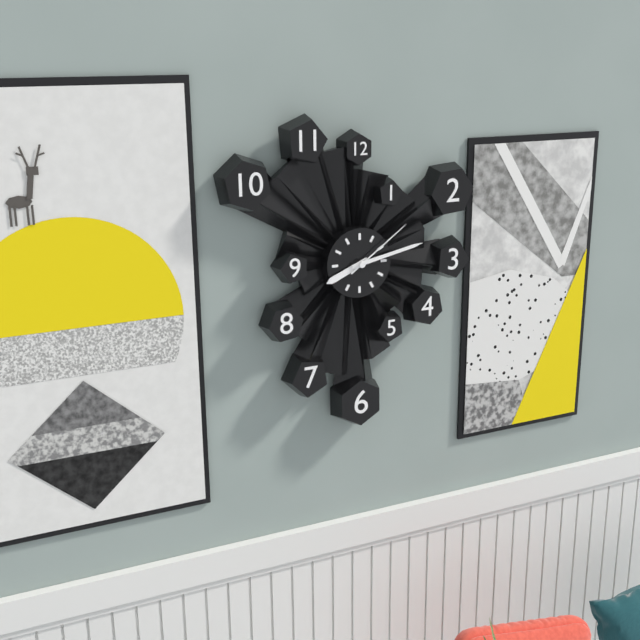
8 h 13 min 09 s
